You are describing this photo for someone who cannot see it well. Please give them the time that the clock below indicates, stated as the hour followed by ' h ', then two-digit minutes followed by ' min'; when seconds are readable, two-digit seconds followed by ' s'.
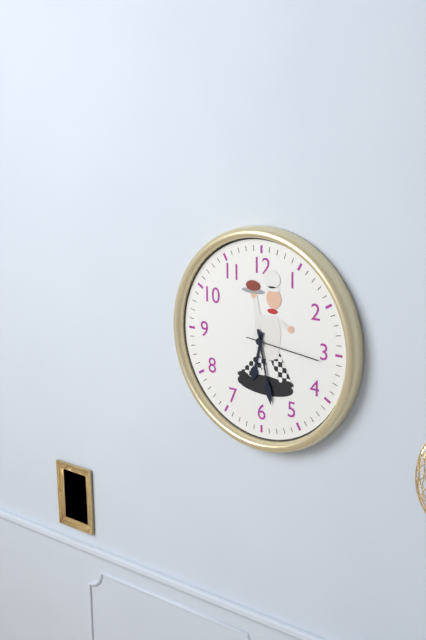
6 h 28 min 16 s
